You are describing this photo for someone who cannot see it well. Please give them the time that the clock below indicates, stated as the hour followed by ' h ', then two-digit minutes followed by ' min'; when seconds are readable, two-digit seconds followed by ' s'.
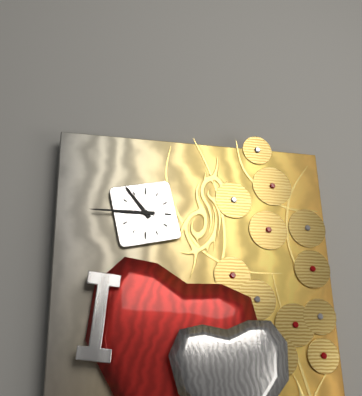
10 h 45 min
